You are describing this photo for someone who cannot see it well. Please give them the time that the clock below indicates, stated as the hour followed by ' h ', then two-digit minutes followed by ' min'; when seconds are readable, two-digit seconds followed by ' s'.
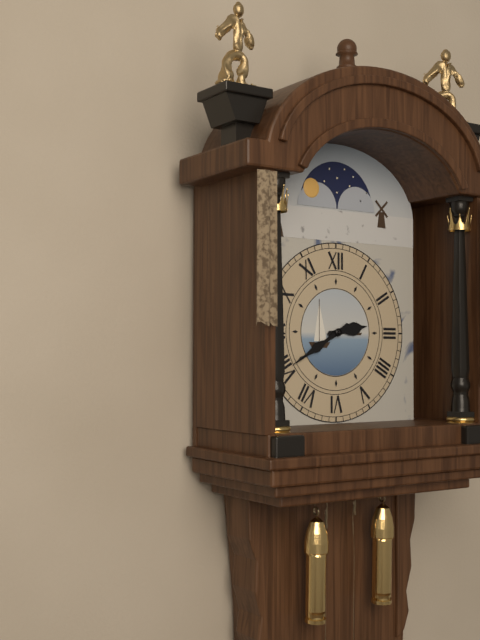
2 h 40 min
